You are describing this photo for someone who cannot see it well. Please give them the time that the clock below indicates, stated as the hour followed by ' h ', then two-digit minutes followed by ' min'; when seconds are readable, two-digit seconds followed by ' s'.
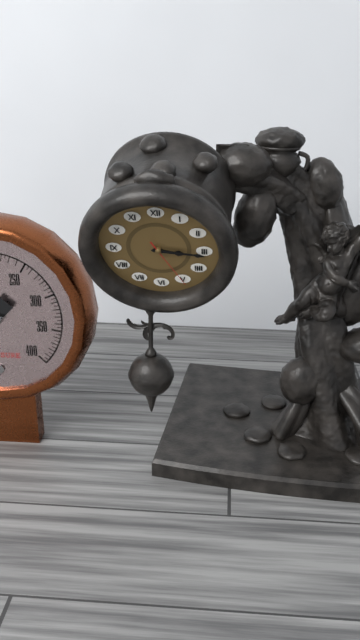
3 h 16 min 25 s
